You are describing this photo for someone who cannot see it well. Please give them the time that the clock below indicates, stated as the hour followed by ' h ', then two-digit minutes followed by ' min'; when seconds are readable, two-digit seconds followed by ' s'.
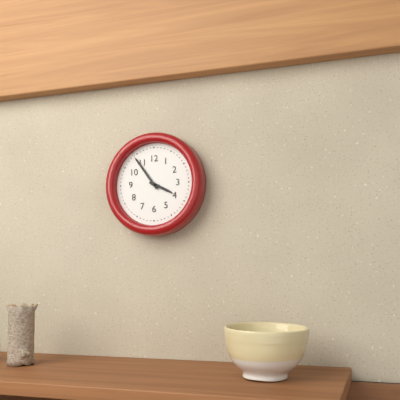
3 h 54 min
